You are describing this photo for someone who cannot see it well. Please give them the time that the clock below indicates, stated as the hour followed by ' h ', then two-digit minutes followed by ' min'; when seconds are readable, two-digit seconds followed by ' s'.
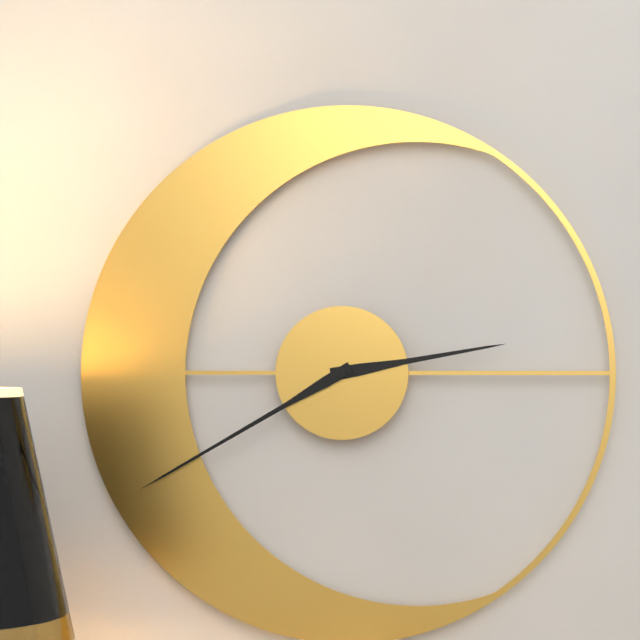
2 h 40 min
